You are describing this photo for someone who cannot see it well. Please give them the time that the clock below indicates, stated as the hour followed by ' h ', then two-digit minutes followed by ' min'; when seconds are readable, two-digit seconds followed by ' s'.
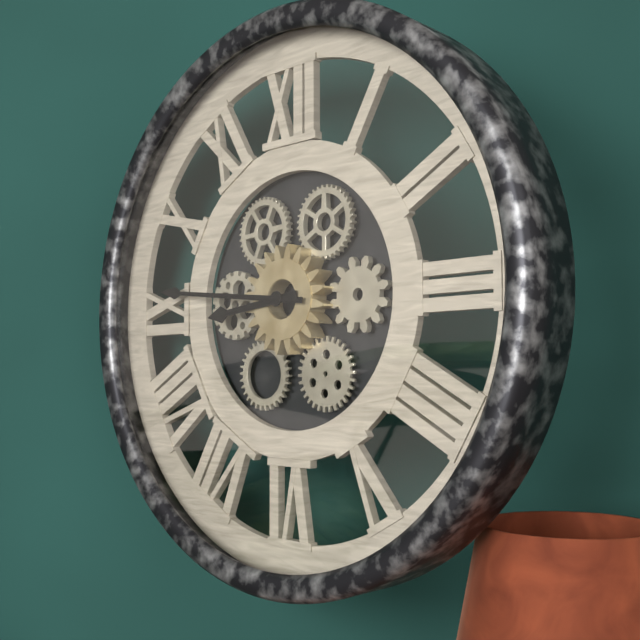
8 h 46 min
